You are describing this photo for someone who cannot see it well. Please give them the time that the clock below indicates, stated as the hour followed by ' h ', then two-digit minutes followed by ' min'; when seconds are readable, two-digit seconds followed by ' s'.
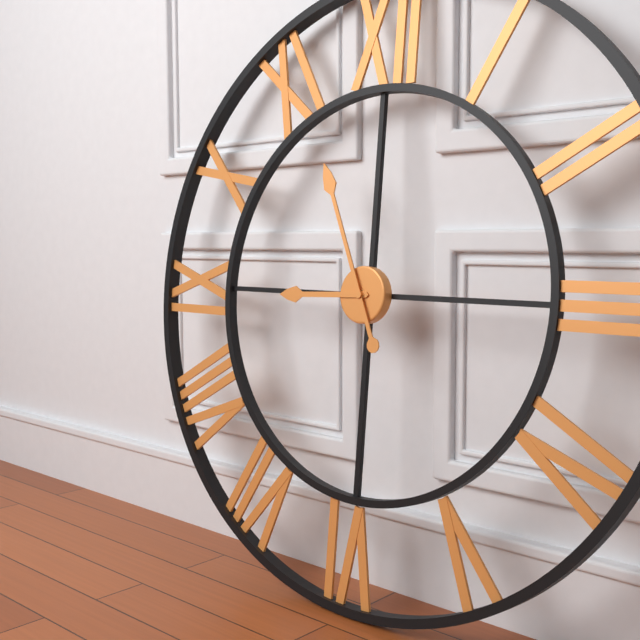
8 h 56 min
